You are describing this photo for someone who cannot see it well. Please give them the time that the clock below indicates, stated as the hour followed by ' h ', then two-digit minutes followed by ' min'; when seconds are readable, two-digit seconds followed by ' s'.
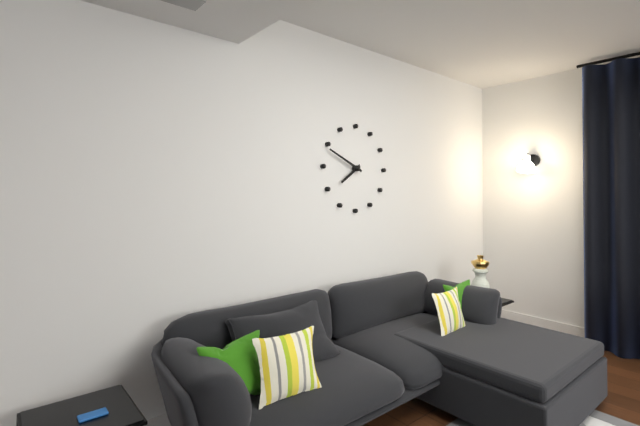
7 h 49 min
